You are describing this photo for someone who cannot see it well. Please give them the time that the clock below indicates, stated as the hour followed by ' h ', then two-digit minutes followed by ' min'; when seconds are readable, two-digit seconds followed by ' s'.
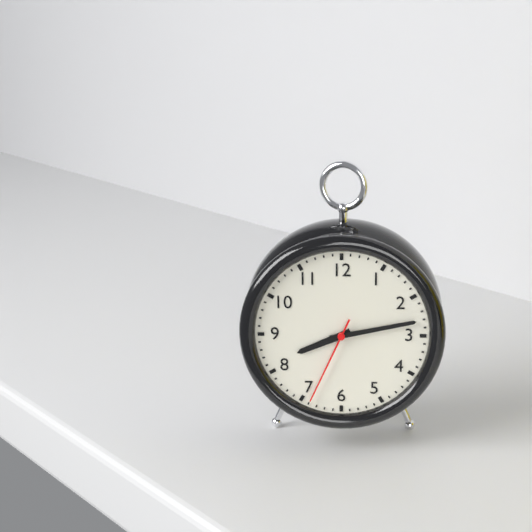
8 h 13 min 34 s
